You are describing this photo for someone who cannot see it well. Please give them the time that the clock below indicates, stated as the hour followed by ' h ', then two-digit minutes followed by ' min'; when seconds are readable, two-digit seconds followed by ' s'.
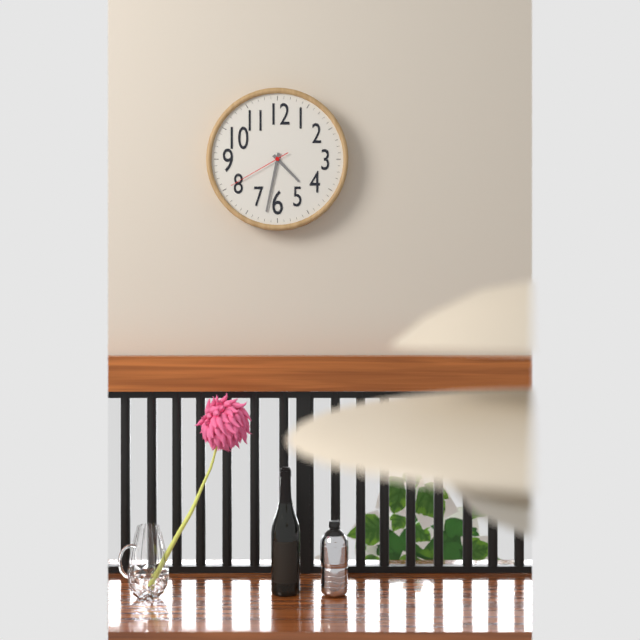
4 h 32 min 40 s
